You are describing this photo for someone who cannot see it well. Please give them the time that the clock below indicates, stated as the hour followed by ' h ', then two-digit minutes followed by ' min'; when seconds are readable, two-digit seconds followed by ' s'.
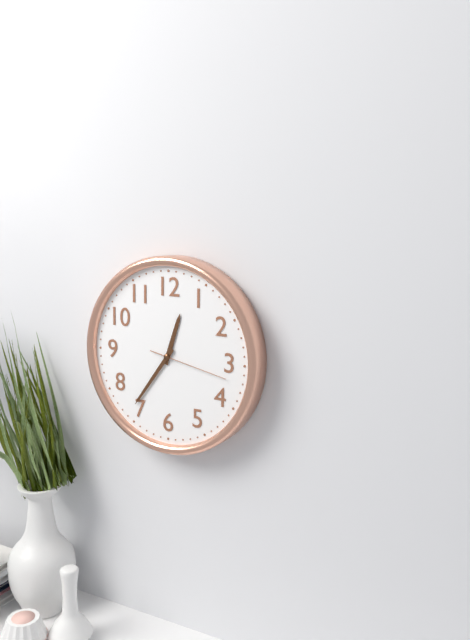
12 h 36 min 17 s
